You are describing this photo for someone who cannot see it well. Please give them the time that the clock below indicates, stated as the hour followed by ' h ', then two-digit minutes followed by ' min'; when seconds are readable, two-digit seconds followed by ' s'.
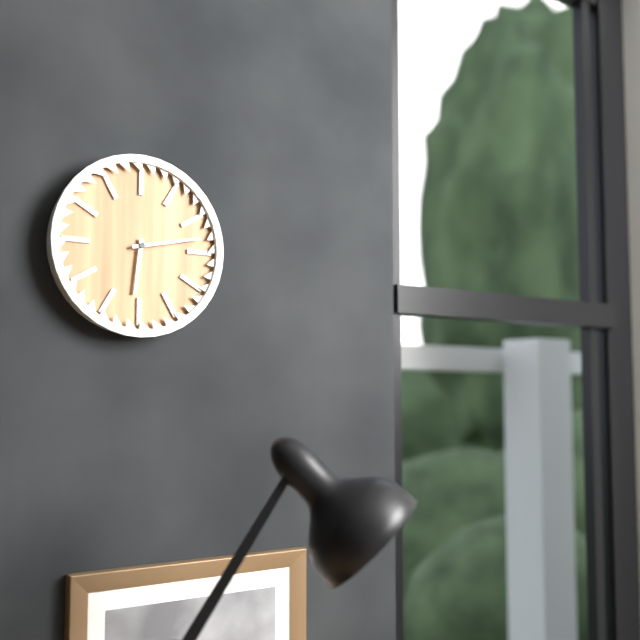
6 h 13 min
